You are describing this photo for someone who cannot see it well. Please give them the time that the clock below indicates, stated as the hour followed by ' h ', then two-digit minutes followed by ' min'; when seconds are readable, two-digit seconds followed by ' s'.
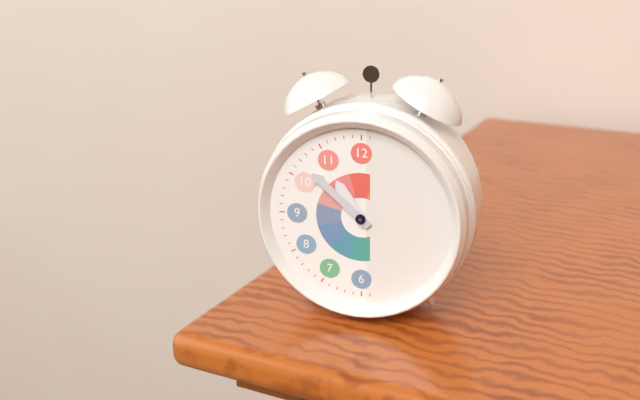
10 h 52 min
